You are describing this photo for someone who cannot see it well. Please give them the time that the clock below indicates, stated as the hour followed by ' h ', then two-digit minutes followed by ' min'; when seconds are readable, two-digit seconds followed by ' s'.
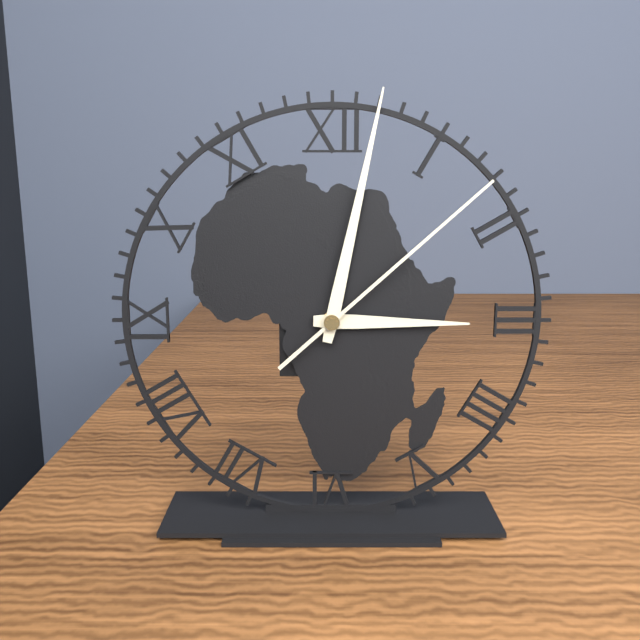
3 h 02 min 08 s
